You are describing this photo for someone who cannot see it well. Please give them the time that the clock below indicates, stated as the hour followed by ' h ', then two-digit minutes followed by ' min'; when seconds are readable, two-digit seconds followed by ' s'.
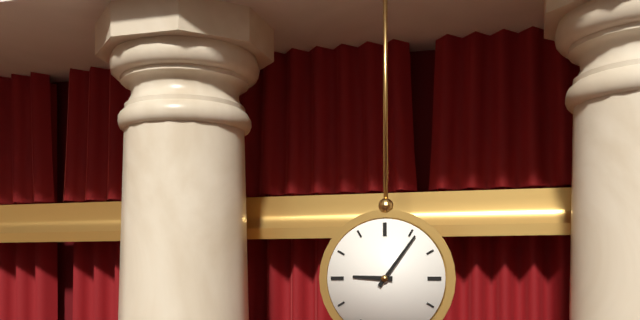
9 h 06 min
